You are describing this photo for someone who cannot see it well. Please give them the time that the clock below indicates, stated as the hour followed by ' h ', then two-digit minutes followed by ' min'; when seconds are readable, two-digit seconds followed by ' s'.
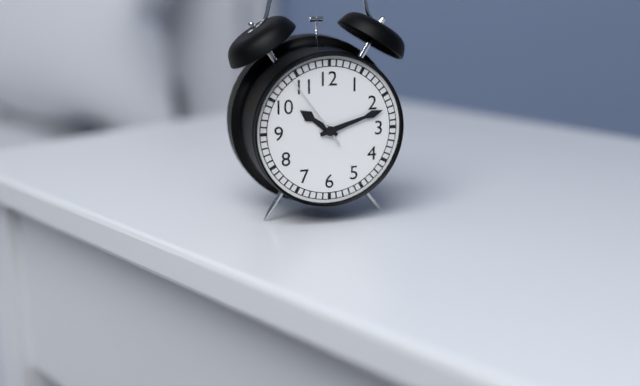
10 h 12 min 54 s
